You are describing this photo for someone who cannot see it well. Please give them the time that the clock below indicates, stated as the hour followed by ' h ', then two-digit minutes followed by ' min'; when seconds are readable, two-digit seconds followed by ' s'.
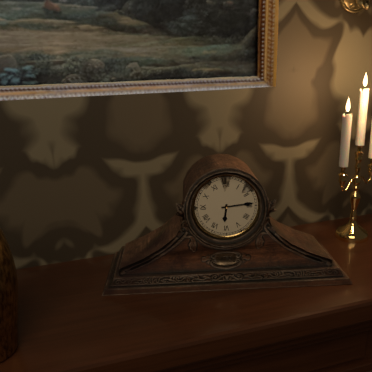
6 h 14 min
